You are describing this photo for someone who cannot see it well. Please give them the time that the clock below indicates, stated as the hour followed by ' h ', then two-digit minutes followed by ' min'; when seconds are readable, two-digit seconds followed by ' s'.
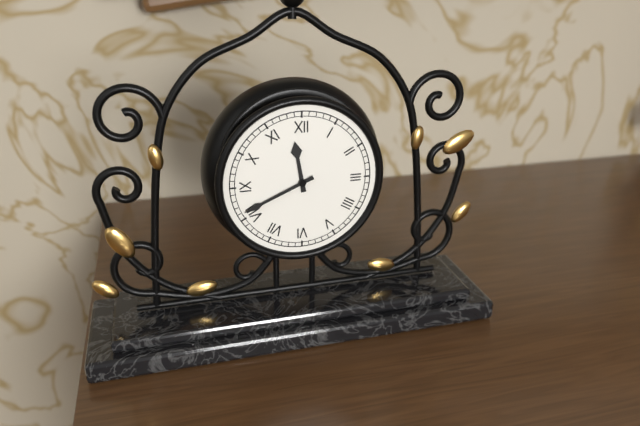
11 h 41 min
